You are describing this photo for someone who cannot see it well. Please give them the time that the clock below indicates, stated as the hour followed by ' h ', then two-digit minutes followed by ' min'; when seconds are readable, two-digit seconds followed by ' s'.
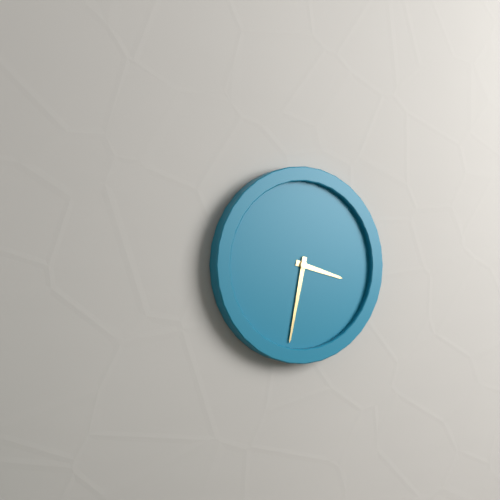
3 h 32 min
